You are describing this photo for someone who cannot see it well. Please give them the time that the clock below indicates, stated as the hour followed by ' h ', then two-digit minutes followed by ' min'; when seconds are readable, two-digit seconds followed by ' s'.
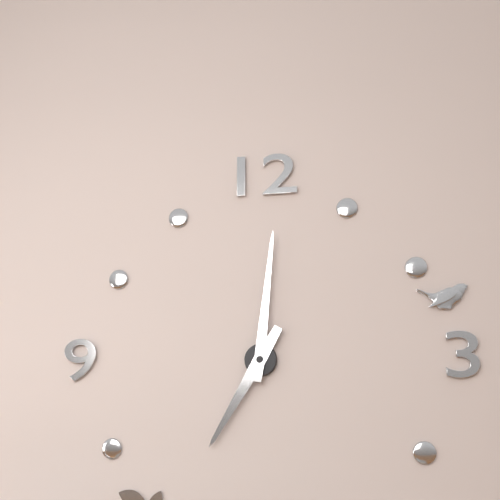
7 h 01 min
